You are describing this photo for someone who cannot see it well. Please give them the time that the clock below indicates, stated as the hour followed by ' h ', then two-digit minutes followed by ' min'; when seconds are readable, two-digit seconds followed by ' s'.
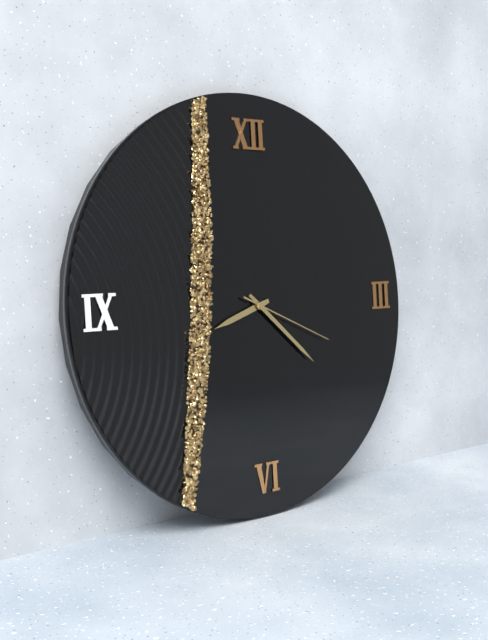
8 h 22 min 19 s
